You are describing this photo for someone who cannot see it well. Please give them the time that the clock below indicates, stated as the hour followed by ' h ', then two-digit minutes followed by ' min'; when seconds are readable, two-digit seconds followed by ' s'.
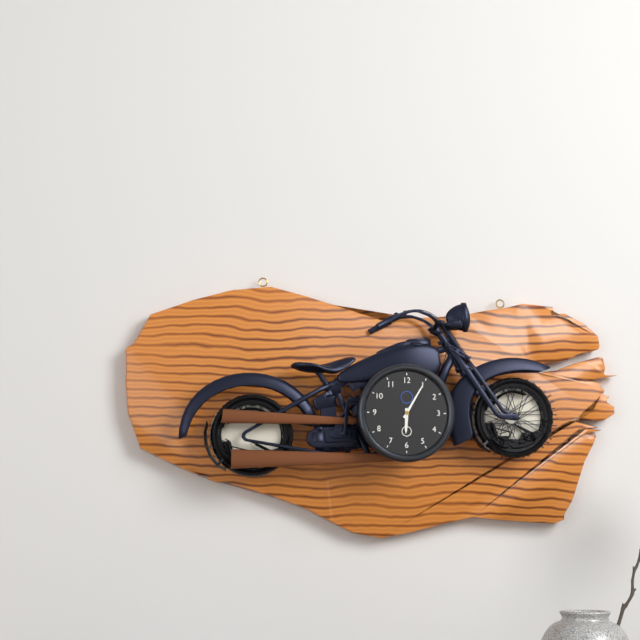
6 h 05 min
